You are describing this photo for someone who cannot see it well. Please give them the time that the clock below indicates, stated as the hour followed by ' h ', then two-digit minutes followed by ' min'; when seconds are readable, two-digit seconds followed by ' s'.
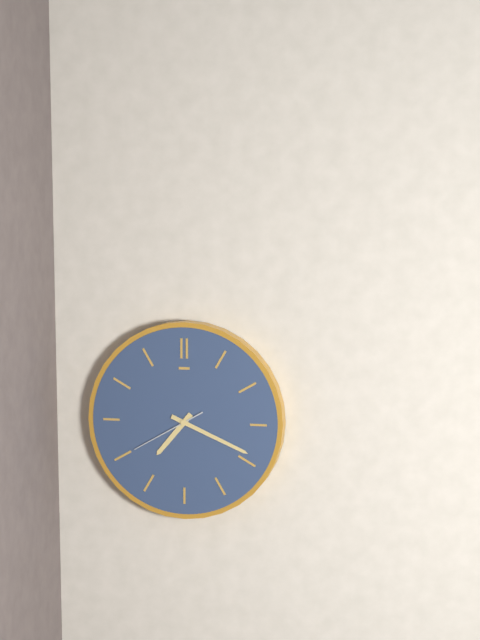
7 h 19 min 40 s
